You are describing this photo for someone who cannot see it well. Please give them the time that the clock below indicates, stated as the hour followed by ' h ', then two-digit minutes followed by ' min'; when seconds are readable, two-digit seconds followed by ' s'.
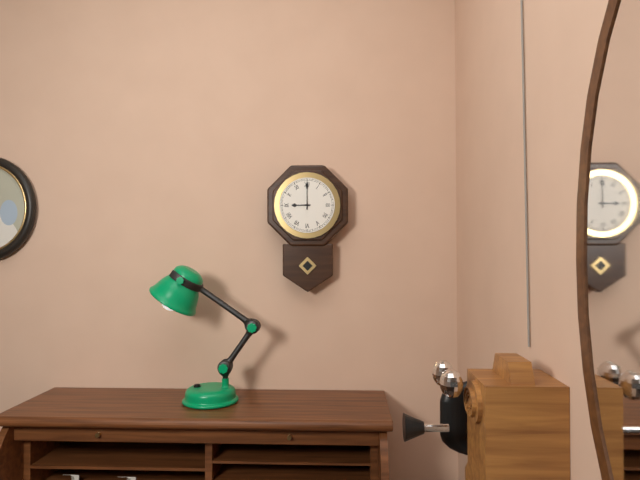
9 h 00 min
